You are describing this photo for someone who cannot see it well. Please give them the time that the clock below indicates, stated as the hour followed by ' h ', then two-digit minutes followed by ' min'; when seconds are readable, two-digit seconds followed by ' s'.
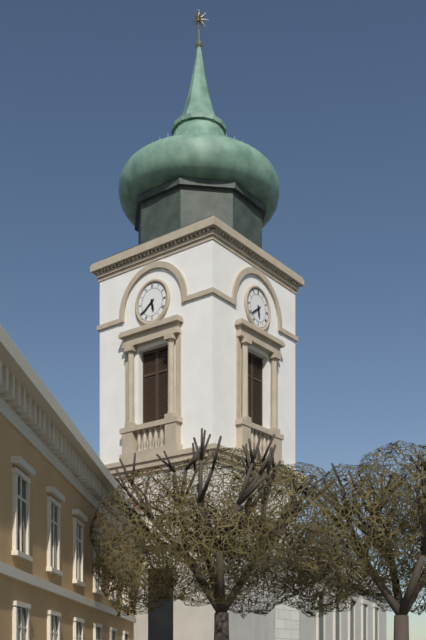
5 h 39 min
